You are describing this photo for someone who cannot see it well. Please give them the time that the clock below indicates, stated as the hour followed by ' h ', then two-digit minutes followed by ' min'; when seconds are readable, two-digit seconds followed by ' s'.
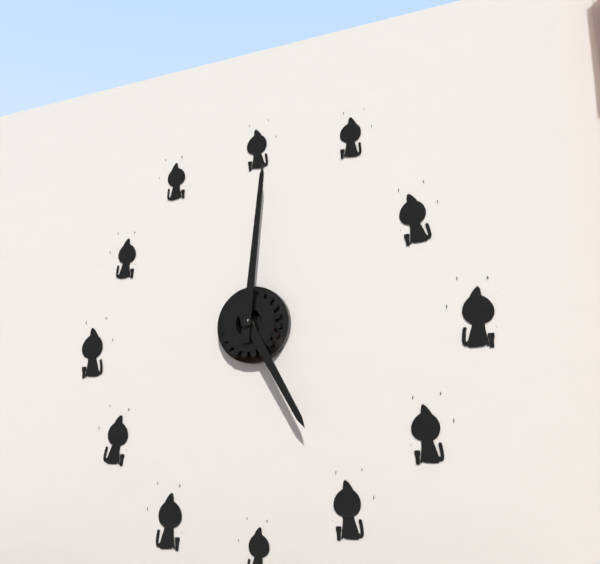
5 h 01 min
